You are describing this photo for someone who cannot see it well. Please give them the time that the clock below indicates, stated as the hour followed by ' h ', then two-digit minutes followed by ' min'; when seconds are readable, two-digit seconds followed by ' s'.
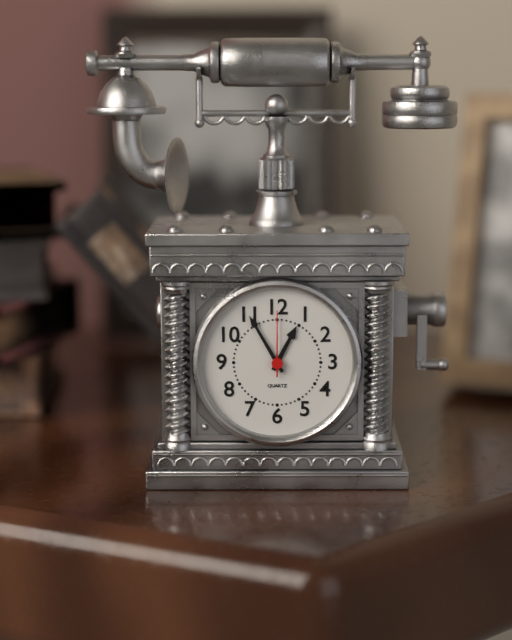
12 h 55 min 00 s
